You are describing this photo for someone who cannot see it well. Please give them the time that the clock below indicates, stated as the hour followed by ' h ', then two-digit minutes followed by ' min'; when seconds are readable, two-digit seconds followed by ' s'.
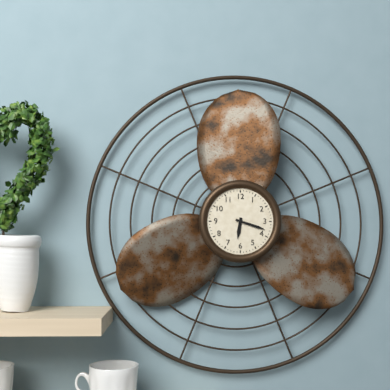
6 h 18 min
